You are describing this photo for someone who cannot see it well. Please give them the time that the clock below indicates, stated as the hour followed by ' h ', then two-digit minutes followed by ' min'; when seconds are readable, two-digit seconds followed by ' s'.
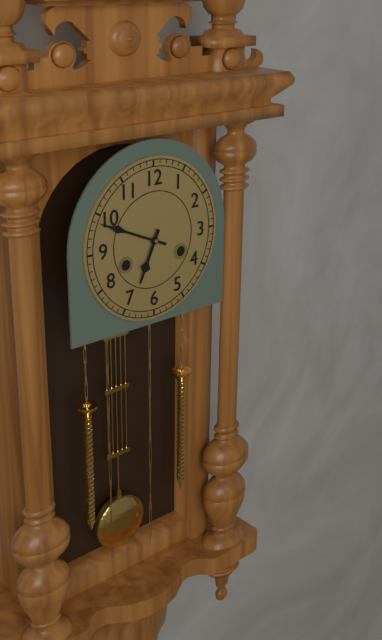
6 h 49 min
